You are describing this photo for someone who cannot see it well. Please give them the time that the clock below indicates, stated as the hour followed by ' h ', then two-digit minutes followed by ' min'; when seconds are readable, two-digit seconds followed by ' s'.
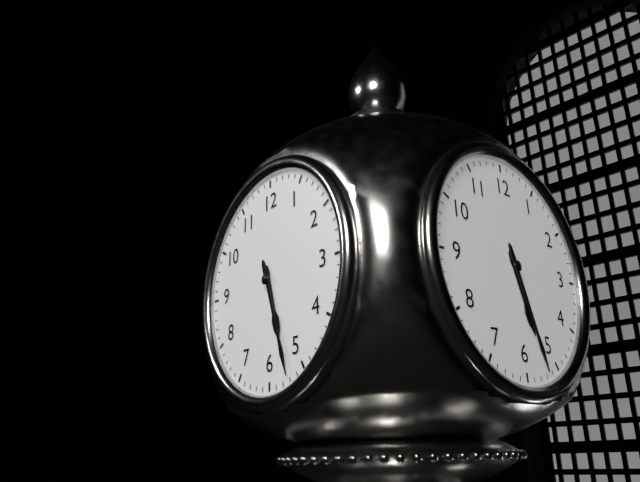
5 h 27 min
